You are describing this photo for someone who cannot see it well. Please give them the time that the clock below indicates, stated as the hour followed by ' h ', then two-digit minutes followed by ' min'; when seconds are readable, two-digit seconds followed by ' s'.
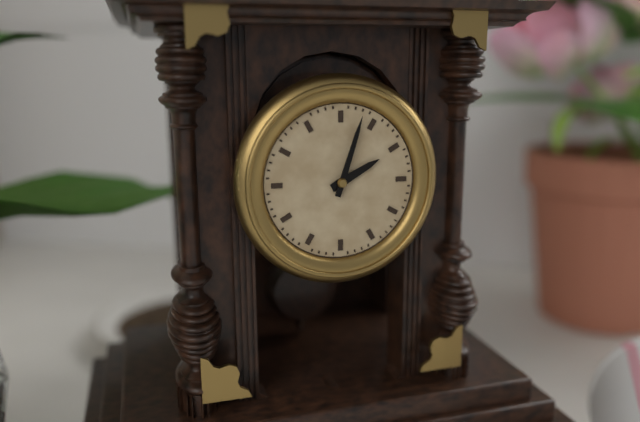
2 h 03 min
